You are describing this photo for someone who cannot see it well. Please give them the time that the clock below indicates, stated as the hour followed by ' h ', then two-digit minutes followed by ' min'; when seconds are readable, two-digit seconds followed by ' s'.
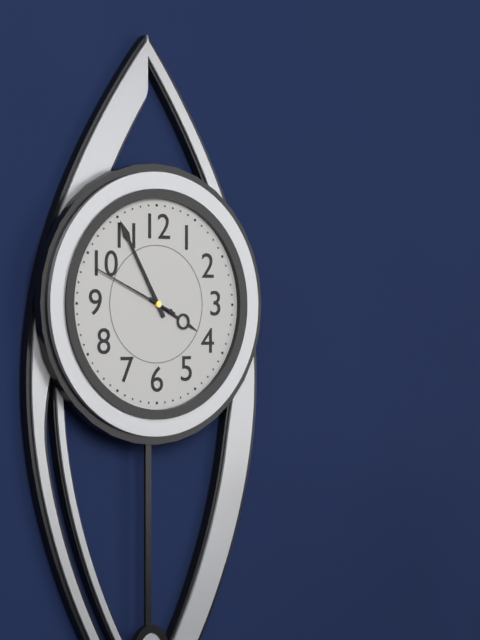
3 h 55 min 49 s
